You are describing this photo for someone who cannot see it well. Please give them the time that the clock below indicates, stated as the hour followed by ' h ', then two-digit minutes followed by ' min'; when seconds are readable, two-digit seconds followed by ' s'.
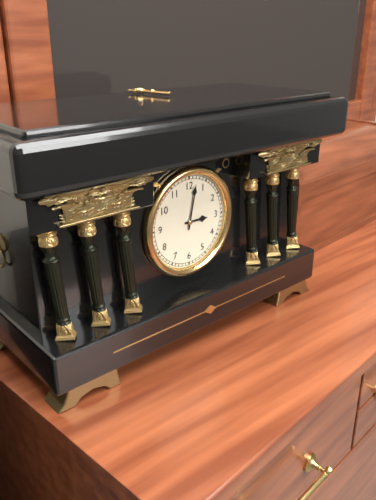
3 h 02 min
